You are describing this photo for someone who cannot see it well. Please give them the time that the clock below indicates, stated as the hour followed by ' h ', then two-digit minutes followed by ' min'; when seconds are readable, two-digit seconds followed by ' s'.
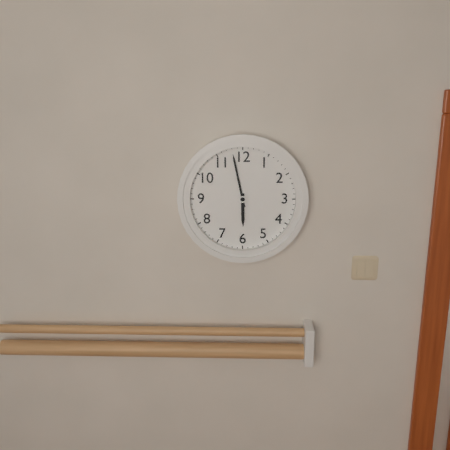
5 h 58 min
